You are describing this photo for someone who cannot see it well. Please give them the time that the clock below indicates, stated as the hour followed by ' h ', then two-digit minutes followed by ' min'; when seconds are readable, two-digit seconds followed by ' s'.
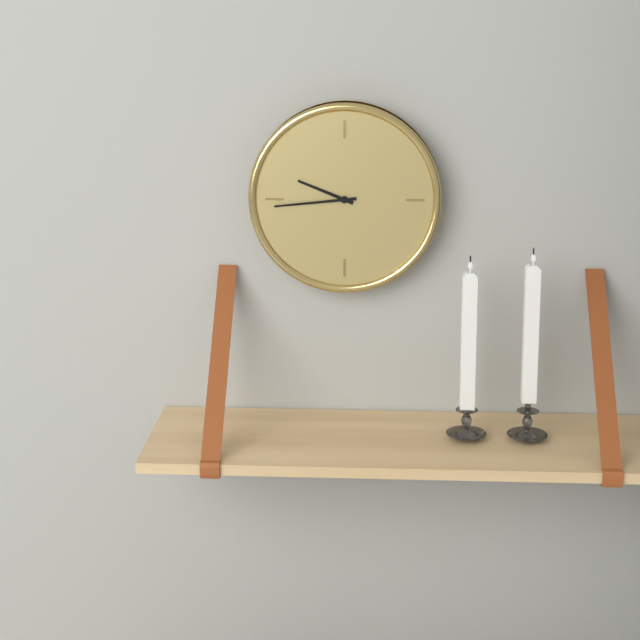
9 h 44 min
